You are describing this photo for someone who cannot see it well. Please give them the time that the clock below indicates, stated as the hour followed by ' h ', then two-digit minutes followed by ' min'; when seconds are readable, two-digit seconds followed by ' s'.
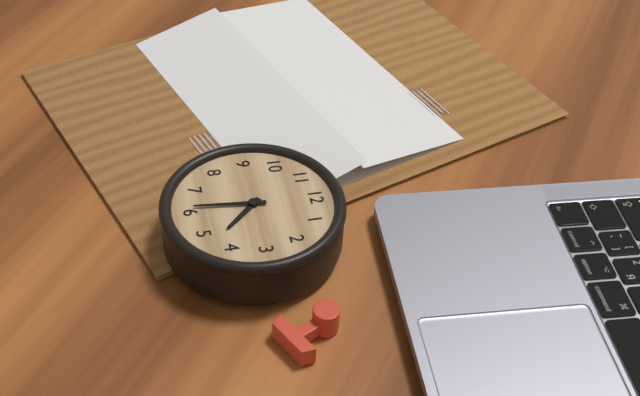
4 h 31 min
